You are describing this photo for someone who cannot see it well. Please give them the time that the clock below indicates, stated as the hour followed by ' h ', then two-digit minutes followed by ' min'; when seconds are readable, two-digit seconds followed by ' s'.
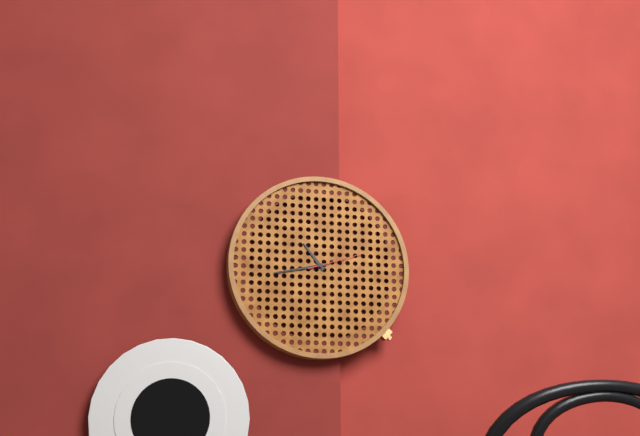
10 h 43 min 12 s
